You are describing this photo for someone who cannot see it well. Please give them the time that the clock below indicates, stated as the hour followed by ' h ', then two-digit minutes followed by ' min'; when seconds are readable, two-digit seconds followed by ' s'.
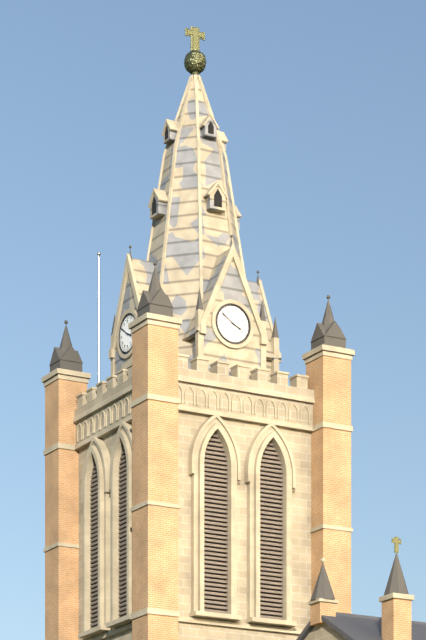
3 h 51 min
